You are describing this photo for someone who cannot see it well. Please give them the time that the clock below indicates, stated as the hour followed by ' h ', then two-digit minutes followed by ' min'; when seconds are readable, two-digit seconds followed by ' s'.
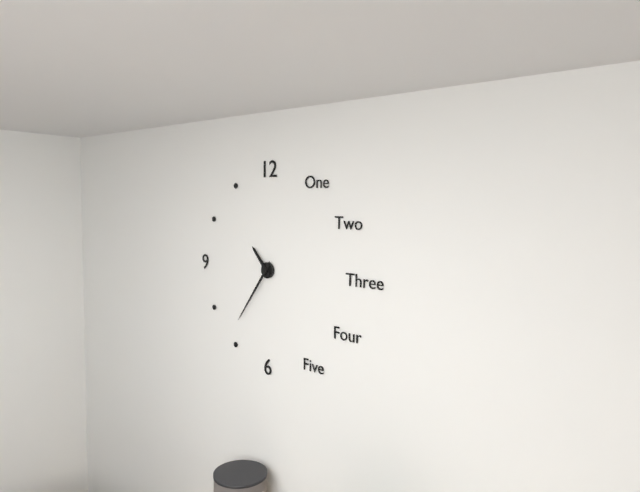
10 h 36 min
